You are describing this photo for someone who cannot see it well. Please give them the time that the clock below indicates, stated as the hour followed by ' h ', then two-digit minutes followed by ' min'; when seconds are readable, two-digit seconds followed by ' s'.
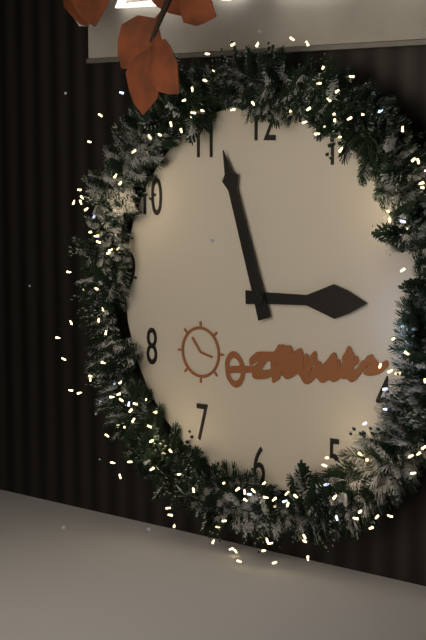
2 h 57 min
